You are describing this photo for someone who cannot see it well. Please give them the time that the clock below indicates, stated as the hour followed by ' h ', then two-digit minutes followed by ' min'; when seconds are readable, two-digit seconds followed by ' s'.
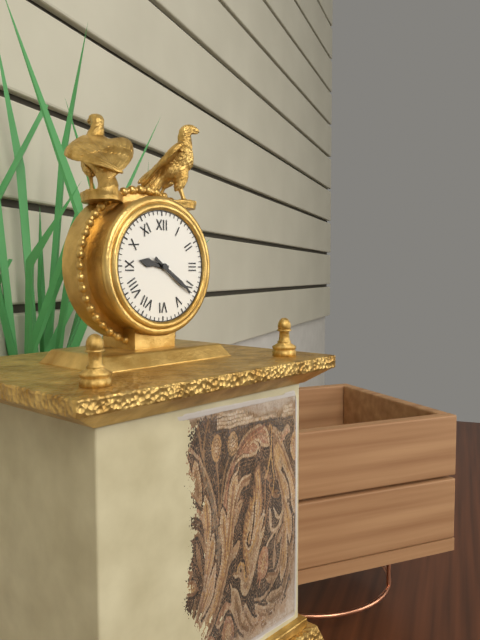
9 h 21 min
